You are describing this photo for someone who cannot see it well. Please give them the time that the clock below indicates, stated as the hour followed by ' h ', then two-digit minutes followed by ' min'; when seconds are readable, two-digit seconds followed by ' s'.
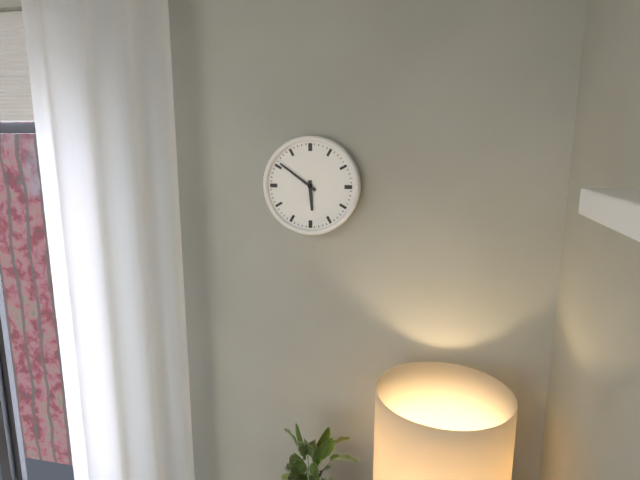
5 h 51 min
